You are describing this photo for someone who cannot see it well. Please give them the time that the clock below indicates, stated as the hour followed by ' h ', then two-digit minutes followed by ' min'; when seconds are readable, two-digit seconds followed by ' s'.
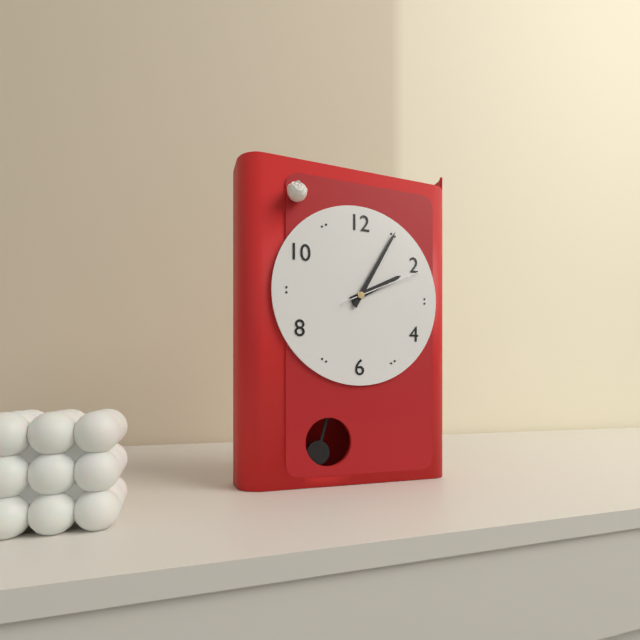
2 h 05 min 11 s
